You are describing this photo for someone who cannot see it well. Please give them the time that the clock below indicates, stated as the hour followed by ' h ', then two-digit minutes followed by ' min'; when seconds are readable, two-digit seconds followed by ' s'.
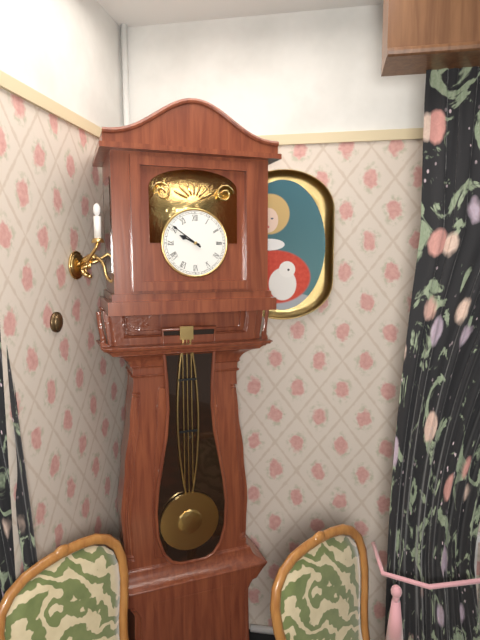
9 h 51 min
